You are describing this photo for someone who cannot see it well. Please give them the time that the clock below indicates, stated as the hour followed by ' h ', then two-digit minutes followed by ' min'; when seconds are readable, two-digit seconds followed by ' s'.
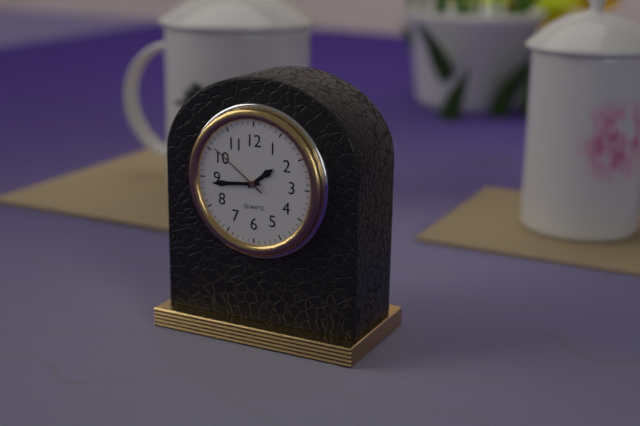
1 h 44 min 51 s
